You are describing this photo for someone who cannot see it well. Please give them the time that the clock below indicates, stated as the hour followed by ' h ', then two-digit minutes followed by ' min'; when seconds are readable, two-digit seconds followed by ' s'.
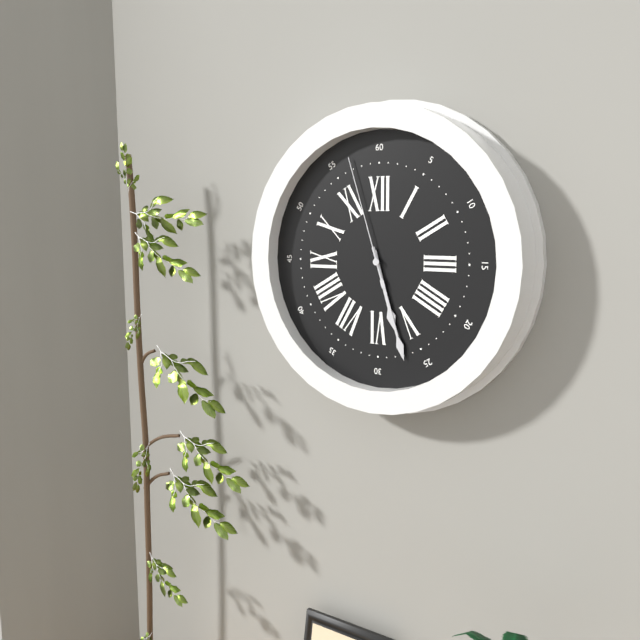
5 h 27 min 57 s
